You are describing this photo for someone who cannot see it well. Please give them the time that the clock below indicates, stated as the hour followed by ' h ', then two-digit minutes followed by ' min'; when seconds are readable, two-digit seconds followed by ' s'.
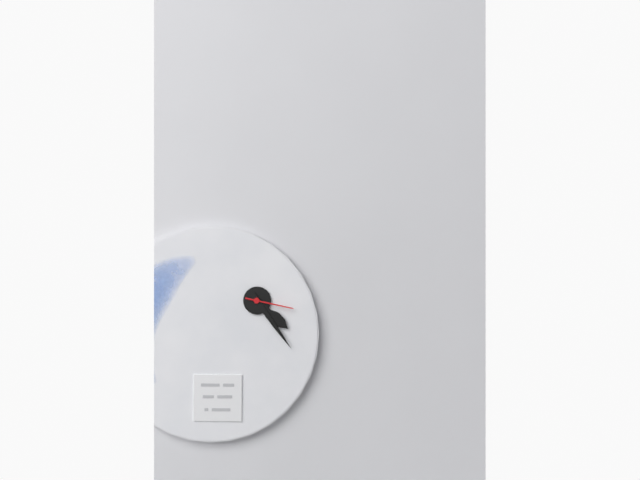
4 h 24 min
